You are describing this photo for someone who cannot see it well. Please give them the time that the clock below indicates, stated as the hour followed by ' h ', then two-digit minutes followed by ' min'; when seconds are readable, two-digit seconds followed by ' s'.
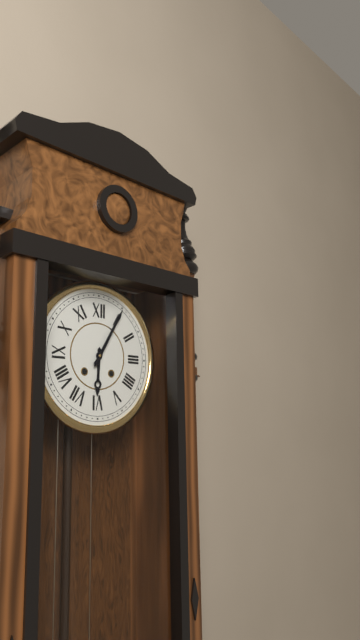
6 h 05 min
